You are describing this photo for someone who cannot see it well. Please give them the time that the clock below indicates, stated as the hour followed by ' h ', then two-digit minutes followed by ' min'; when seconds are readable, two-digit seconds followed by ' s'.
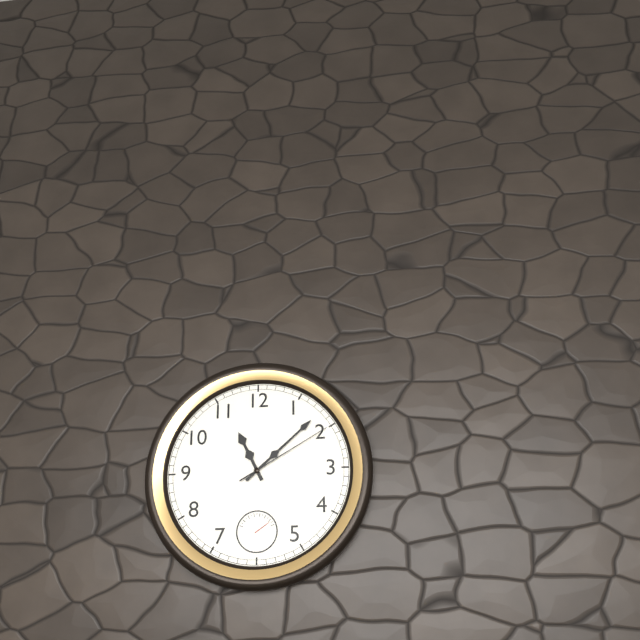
11 h 08 min 10 s
